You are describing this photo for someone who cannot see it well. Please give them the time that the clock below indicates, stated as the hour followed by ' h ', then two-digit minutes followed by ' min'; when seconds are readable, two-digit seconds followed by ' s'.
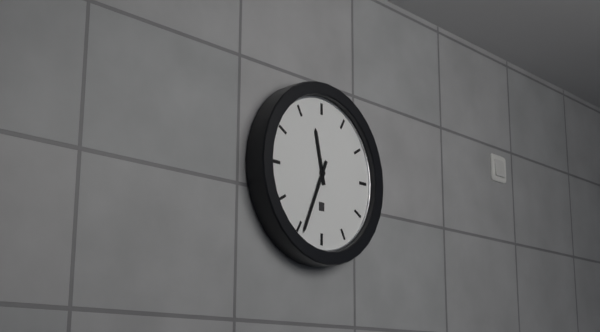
11 h 34 min
